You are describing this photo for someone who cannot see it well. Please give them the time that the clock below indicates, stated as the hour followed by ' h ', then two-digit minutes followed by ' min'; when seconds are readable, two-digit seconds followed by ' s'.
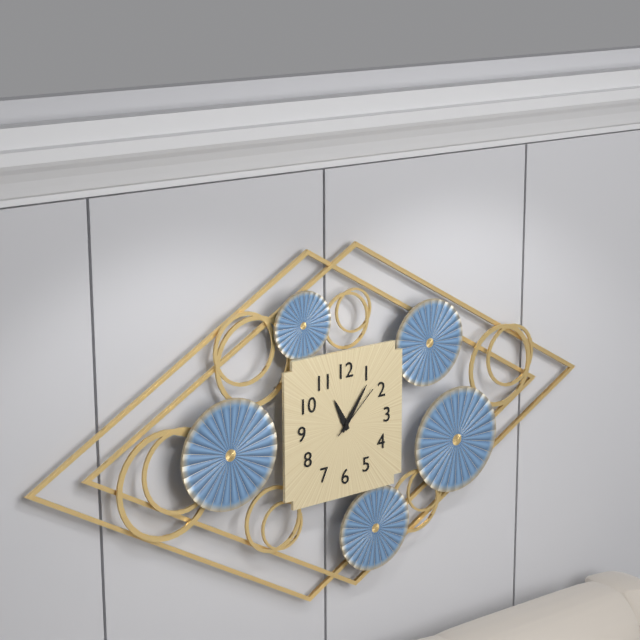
11 h 06 min 08 s
